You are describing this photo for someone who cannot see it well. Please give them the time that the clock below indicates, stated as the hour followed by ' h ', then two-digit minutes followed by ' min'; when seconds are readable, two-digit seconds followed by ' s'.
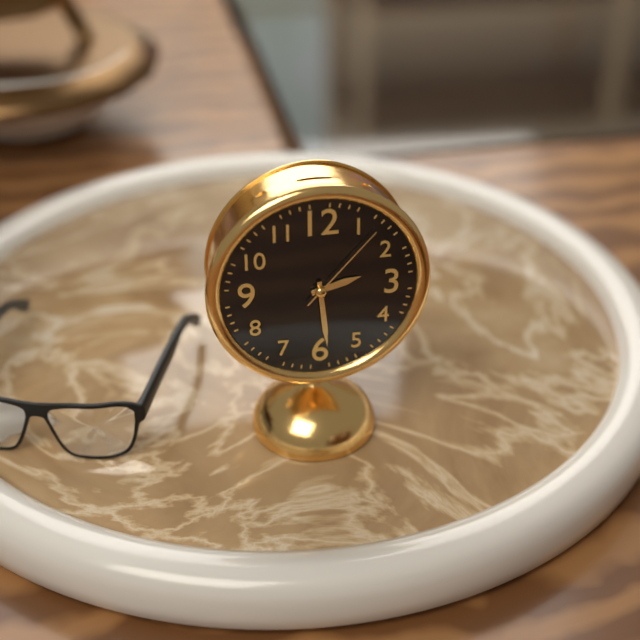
2 h 29 min 07 s
